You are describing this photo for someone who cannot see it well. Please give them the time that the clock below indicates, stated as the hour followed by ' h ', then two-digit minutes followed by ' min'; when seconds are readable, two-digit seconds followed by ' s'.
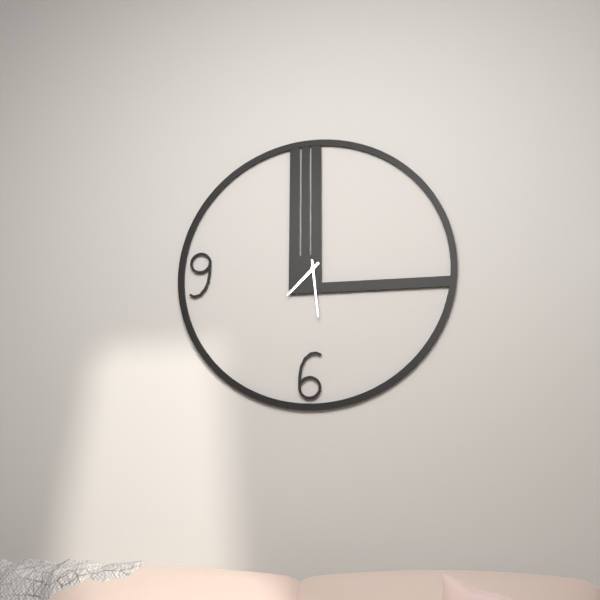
7 h 29 min
